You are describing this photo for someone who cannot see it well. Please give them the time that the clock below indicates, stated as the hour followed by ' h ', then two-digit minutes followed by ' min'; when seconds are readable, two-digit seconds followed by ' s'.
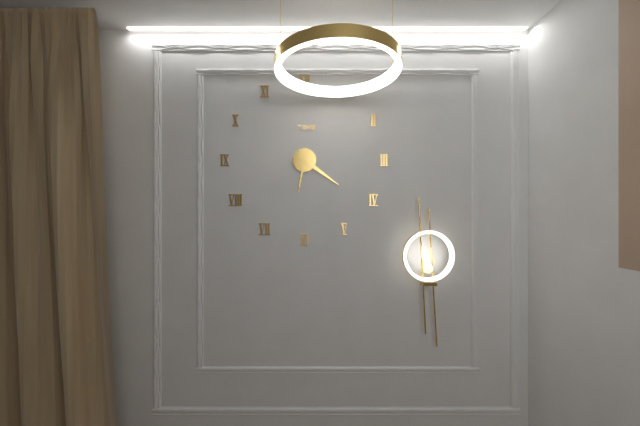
6 h 21 min
